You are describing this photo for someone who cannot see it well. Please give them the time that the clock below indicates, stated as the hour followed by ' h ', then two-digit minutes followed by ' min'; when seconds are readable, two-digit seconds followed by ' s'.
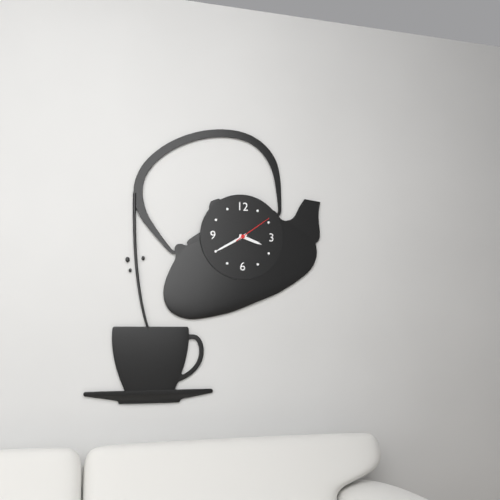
3 h 40 min
